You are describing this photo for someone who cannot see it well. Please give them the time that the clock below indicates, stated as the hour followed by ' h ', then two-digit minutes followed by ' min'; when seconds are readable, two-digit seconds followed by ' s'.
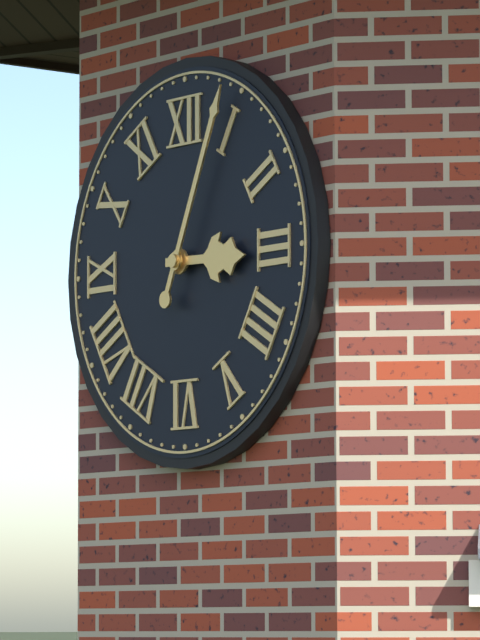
3 h 04 min
